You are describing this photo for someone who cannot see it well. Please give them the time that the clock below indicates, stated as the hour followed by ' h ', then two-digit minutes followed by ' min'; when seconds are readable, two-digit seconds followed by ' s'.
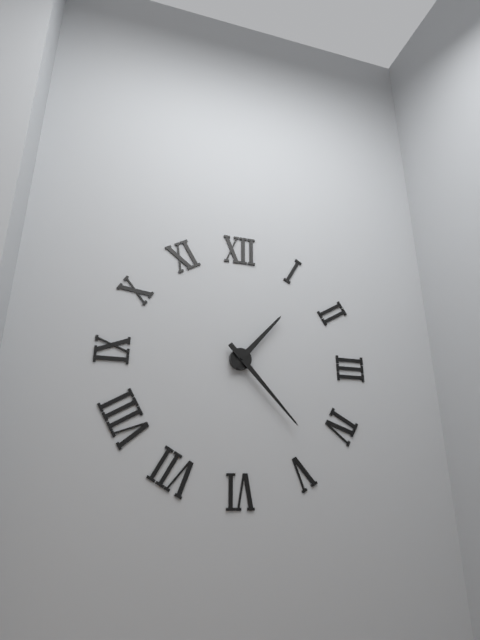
1 h 23 min
